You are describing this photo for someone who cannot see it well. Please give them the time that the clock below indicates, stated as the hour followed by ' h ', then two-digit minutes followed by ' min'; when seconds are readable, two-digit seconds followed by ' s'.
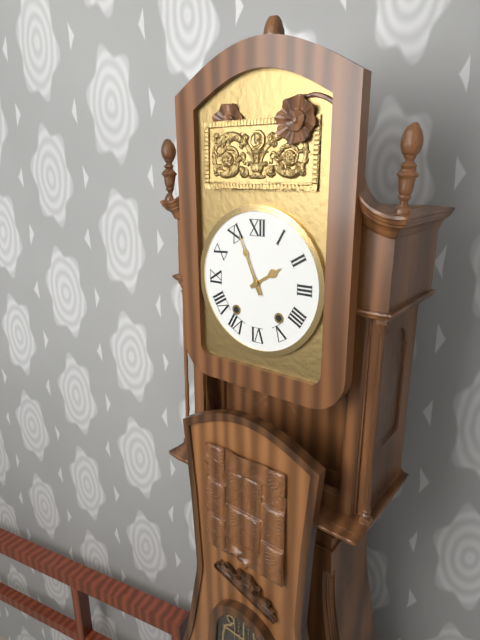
1 h 56 min
